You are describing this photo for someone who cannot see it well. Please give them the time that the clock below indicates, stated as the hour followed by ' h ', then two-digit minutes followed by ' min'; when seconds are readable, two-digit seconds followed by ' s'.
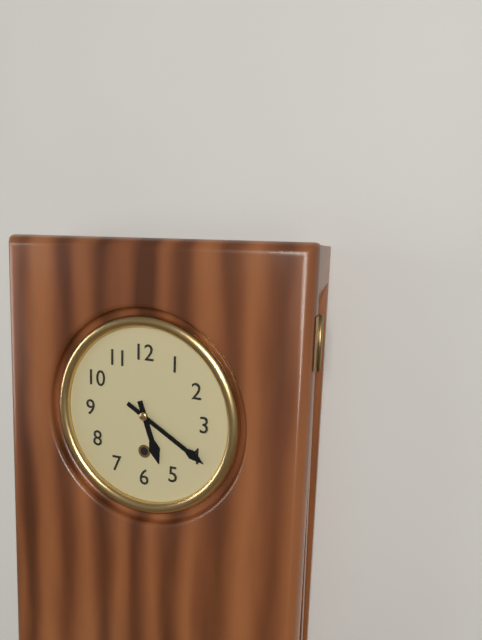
5 h 20 min
